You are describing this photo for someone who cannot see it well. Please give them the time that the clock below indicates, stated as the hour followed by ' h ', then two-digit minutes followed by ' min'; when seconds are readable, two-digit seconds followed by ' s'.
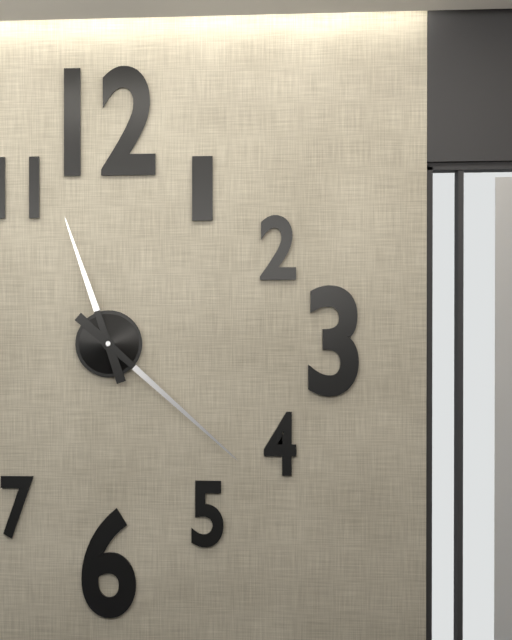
11 h 22 min
